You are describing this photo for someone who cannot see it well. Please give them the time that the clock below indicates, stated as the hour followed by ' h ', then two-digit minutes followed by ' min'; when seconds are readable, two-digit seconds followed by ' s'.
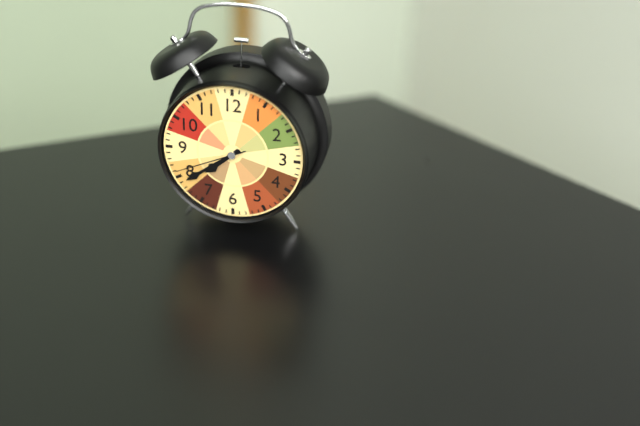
7 h 39 min 41 s
